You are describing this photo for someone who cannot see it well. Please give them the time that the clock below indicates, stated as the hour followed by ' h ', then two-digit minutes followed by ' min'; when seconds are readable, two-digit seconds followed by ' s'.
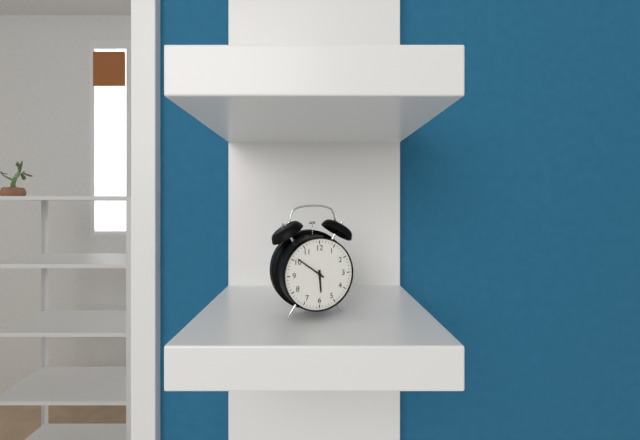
5 h 51 min
